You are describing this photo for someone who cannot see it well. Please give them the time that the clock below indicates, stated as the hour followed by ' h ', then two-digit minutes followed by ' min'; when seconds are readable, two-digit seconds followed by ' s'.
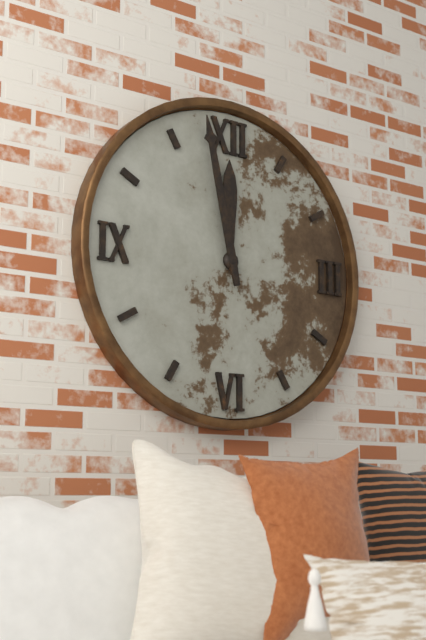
11 h 58 min
